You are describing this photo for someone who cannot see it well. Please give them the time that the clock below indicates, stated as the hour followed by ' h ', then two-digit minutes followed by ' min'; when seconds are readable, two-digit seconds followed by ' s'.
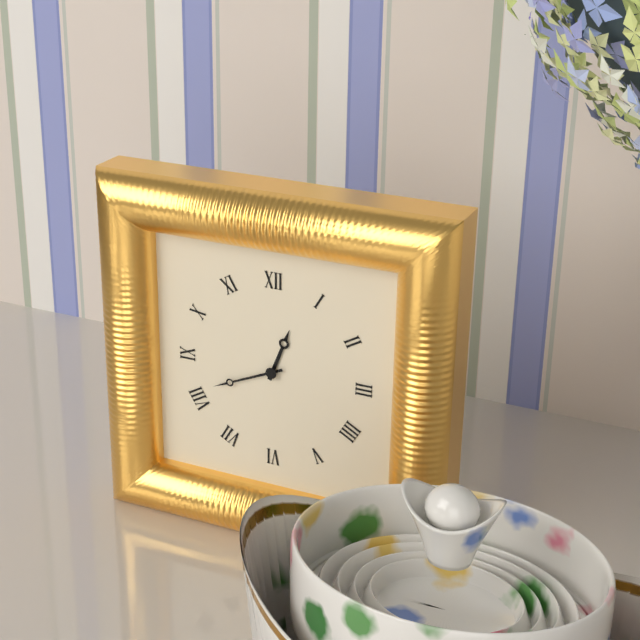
12 h 41 min
